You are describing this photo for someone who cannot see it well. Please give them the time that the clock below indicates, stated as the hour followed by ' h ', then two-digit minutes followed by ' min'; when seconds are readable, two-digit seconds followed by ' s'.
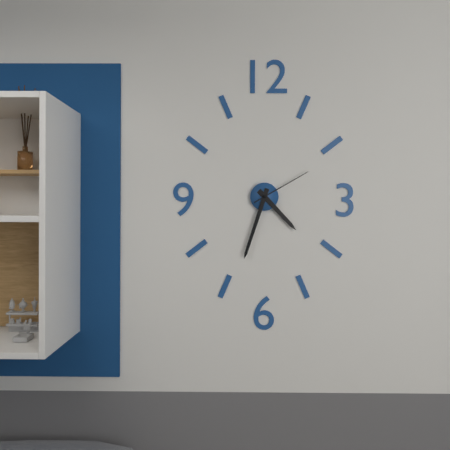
4 h 33 min 10 s
